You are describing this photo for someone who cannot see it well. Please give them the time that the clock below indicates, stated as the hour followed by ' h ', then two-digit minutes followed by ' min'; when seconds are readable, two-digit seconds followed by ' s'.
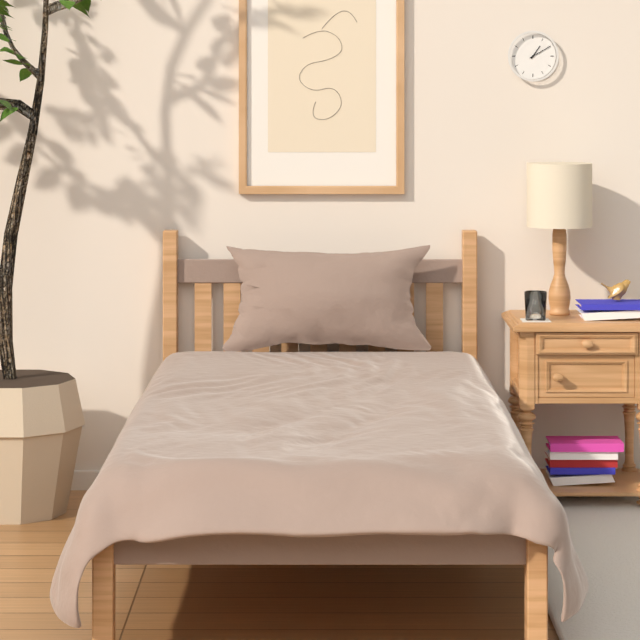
1 h 10 min
